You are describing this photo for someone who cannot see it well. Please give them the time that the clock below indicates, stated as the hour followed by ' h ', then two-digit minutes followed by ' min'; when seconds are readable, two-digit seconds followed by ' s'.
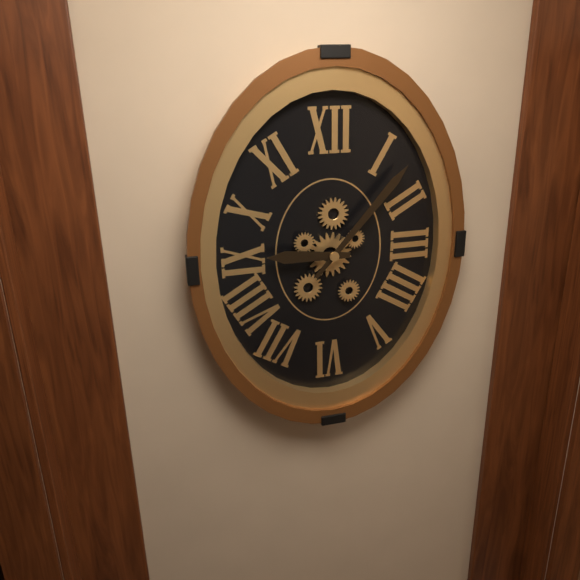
9 h 07 min
